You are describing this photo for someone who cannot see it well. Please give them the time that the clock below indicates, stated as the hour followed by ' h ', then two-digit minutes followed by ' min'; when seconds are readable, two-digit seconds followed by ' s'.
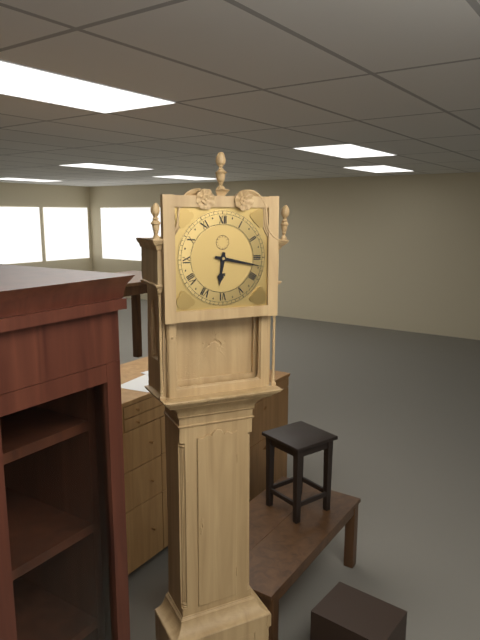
6 h 17 min
